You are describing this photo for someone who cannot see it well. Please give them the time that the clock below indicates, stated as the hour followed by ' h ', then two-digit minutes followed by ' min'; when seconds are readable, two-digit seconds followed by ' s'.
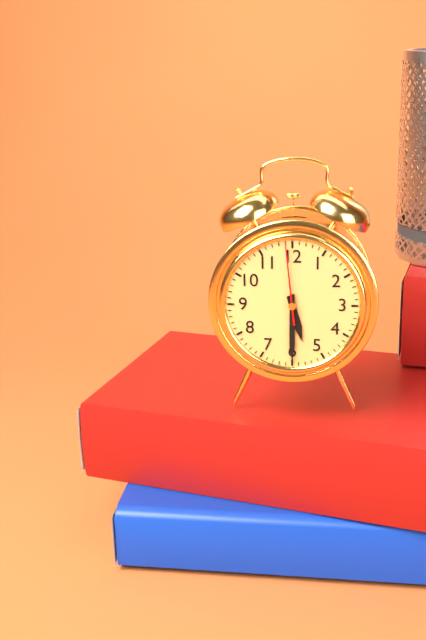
5 h 30 min 59 s
